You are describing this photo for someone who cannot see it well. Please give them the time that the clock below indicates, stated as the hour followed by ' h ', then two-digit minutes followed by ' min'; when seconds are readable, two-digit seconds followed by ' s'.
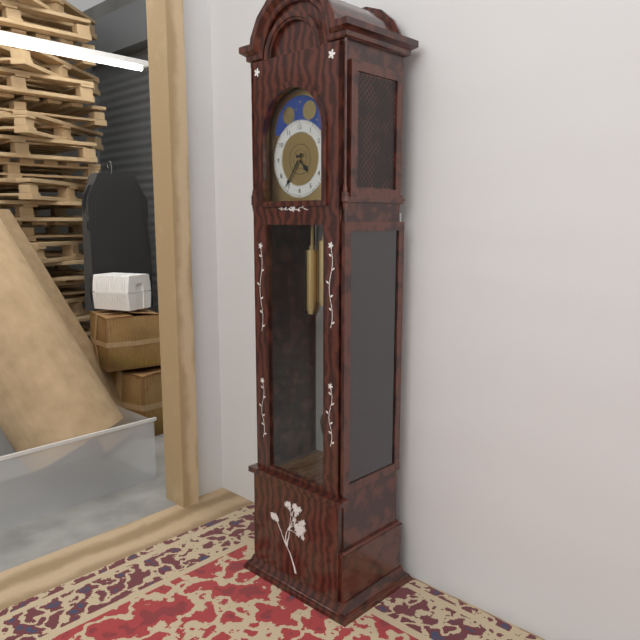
4 h 36 min
